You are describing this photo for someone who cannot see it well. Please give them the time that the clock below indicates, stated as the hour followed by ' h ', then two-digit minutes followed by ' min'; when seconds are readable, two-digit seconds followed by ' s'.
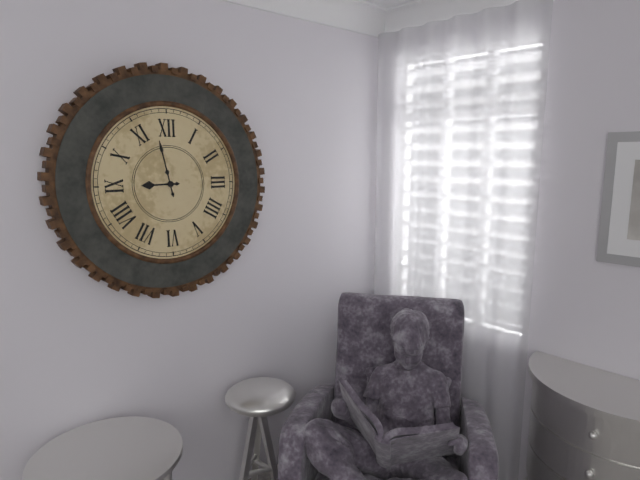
8 h 58 min
